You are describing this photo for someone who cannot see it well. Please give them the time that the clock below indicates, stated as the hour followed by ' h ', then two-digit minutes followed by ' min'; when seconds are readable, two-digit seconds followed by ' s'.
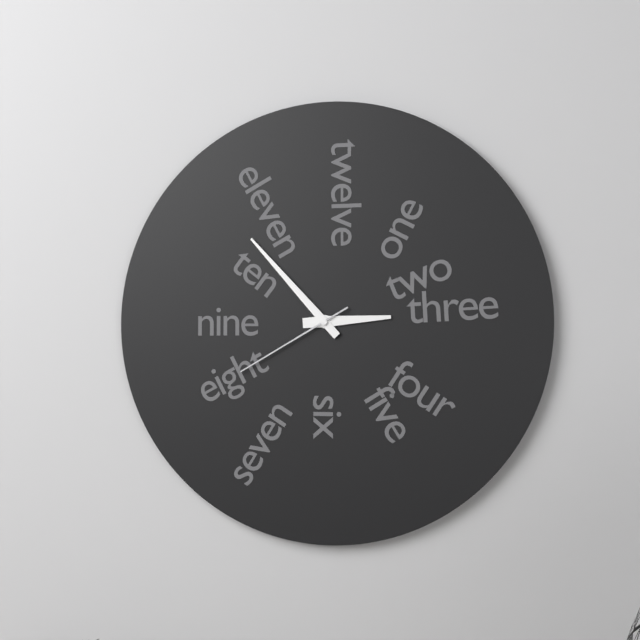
2 h 53 min 40 s
